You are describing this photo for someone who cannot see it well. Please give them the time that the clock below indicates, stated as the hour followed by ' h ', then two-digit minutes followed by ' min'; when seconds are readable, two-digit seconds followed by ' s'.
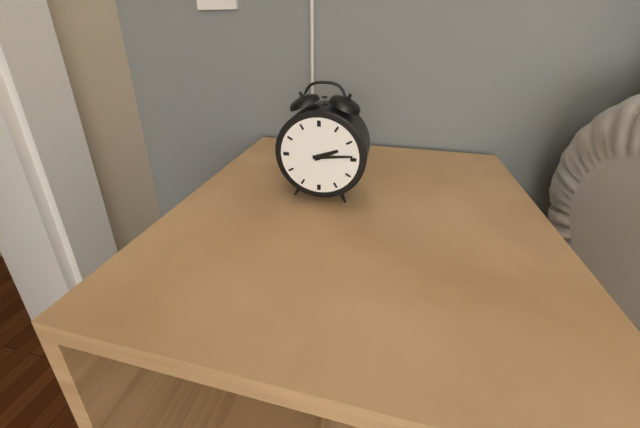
2 h 14 min
